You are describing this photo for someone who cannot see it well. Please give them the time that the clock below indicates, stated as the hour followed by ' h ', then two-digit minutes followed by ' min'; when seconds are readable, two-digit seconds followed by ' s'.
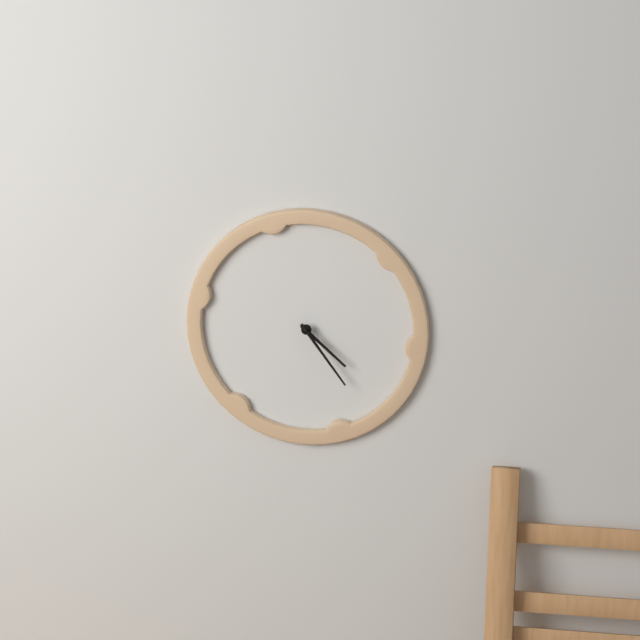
4 h 24 min
